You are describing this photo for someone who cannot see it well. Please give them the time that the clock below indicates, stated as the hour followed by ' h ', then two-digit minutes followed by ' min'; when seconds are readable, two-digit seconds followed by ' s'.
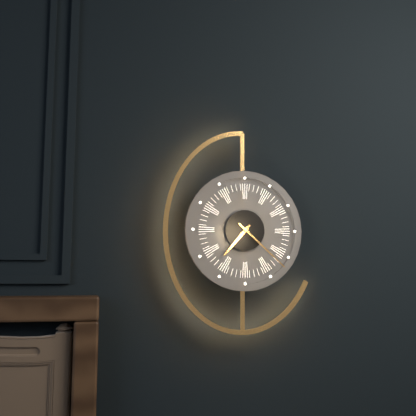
7 h 22 min
